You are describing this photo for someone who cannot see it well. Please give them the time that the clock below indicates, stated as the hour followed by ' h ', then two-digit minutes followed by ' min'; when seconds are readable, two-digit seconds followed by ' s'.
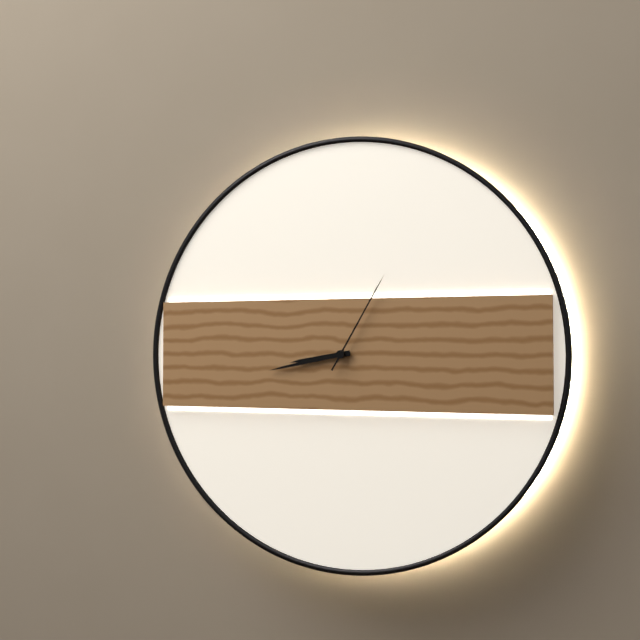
8 h 43 min 05 s
